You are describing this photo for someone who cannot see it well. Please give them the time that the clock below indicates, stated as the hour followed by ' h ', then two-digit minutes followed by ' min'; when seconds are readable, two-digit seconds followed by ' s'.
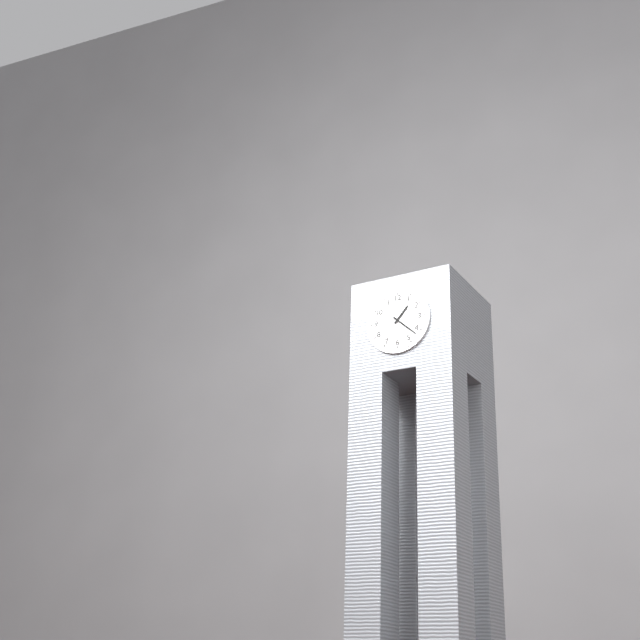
1 h 22 min
